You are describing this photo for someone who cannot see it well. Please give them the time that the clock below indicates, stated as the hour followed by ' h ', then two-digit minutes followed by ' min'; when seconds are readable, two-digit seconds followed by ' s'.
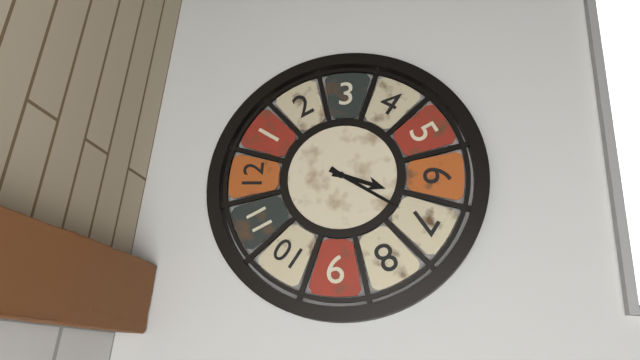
6 h 35 min
